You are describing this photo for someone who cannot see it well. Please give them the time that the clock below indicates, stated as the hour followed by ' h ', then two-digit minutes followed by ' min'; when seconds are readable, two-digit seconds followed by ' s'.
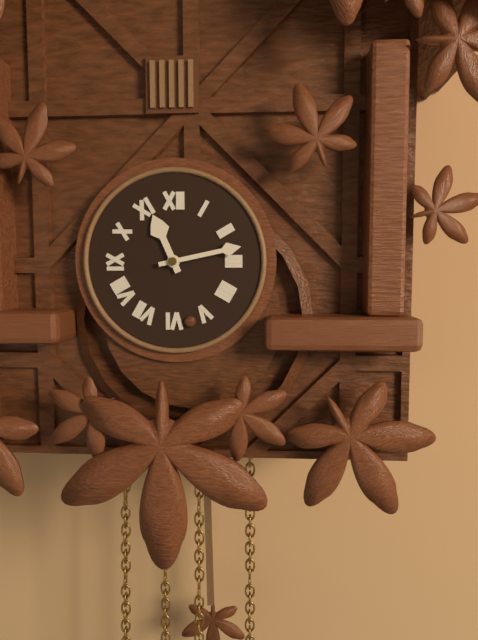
11 h 13 min
